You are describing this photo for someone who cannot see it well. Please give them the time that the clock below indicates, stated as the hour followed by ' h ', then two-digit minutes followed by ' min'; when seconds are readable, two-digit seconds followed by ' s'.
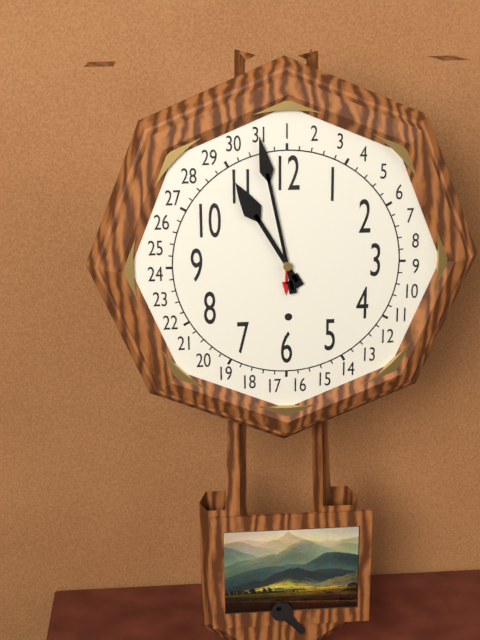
10 h 58 min
